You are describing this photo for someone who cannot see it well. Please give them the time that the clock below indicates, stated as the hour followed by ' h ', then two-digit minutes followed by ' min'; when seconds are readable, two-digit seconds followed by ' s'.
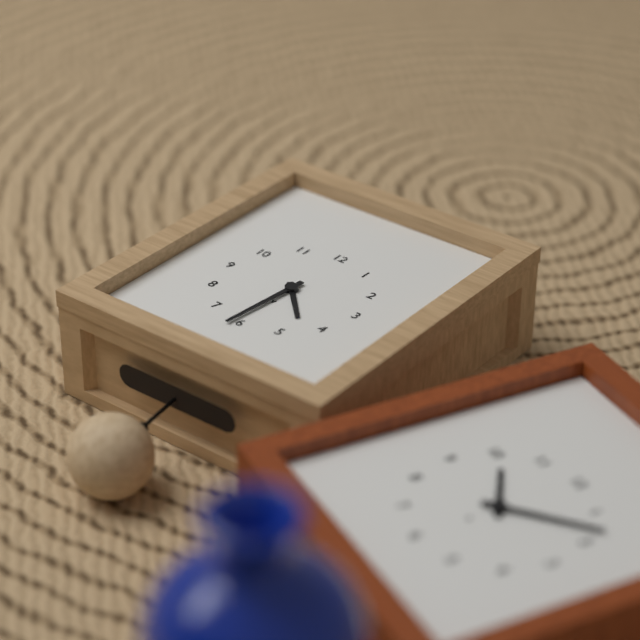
4 h 31 min
